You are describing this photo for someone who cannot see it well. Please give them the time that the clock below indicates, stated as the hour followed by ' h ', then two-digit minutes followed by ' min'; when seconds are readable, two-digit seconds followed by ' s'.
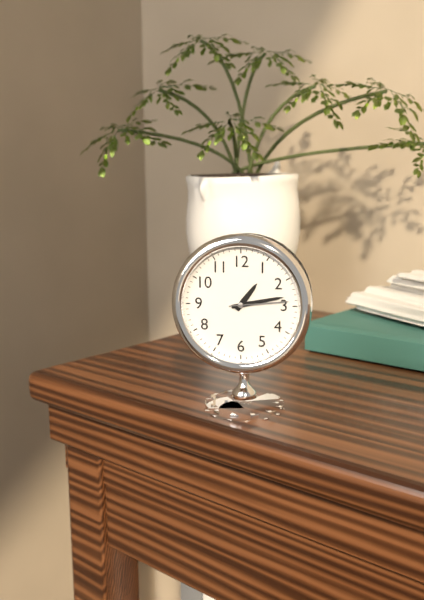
1 h 13 min 14 s
